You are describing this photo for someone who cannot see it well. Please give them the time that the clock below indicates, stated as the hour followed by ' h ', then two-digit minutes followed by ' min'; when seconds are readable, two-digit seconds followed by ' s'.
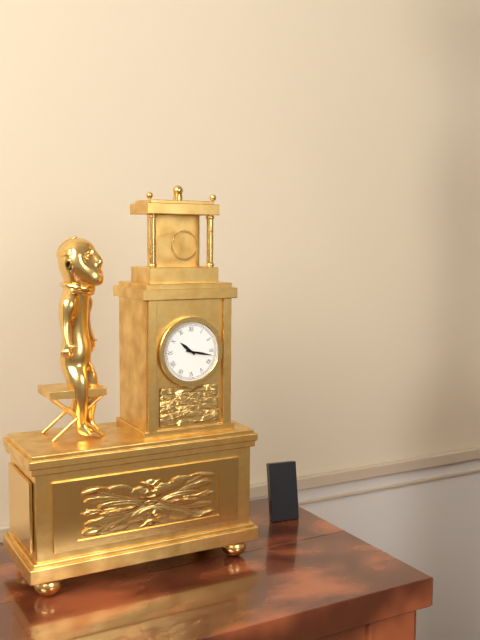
10 h 17 min
